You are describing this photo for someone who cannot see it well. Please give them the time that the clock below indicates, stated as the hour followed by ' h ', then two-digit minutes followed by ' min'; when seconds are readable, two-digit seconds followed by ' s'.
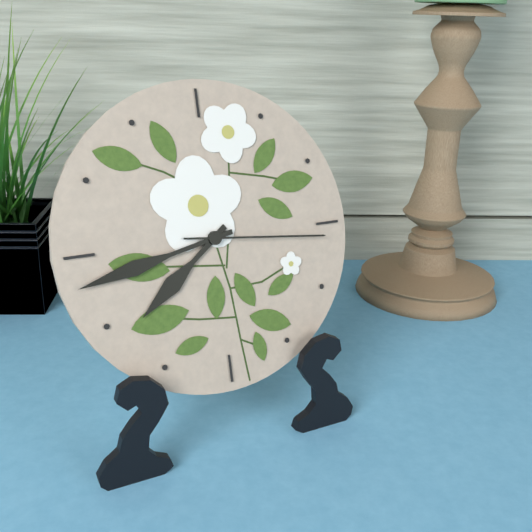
7 h 43 min 16 s
